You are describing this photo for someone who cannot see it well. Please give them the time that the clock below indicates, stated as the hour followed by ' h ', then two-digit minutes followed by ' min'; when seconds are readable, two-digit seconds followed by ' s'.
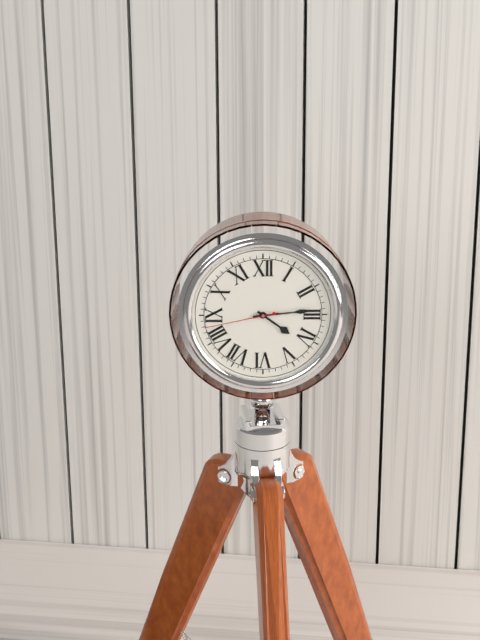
4 h 14 min 43 s
